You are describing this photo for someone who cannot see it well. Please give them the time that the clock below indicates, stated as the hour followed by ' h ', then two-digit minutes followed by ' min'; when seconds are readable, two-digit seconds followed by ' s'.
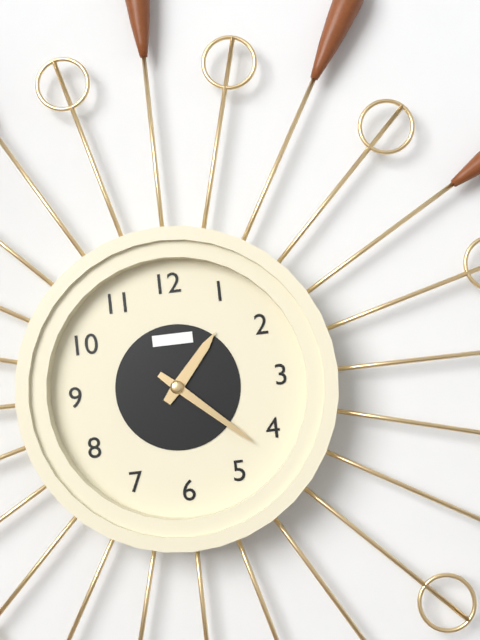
1 h 22 min
